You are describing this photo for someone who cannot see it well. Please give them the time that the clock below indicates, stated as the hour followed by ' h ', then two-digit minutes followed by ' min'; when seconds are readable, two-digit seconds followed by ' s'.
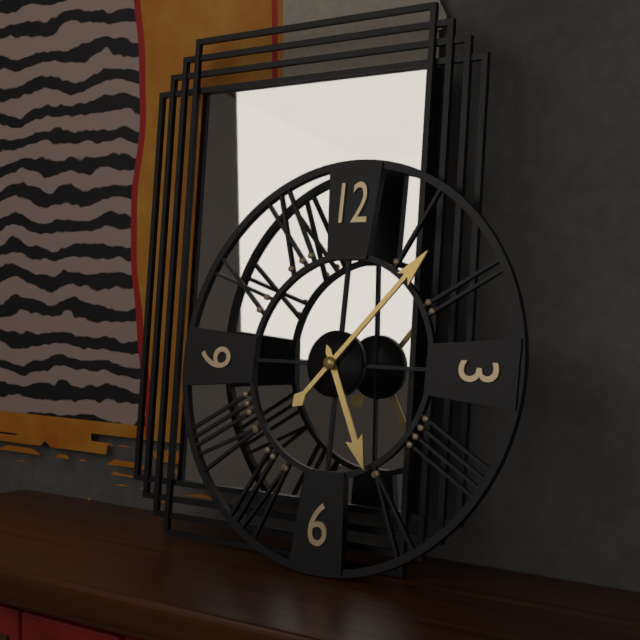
5 h 07 min
